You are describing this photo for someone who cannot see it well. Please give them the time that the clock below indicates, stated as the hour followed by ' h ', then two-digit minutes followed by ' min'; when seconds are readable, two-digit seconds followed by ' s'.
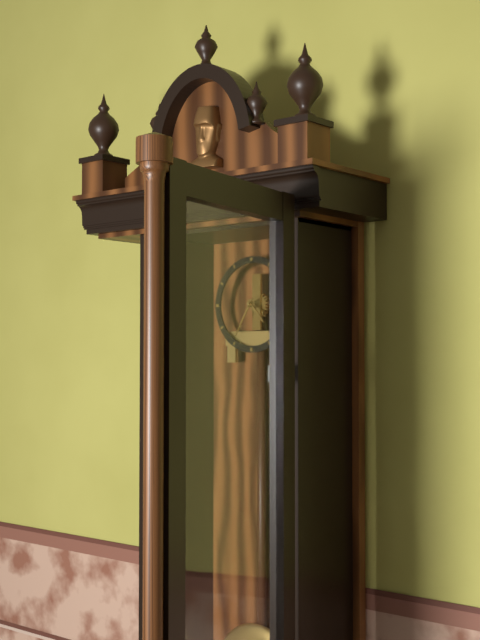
4 h 35 min
